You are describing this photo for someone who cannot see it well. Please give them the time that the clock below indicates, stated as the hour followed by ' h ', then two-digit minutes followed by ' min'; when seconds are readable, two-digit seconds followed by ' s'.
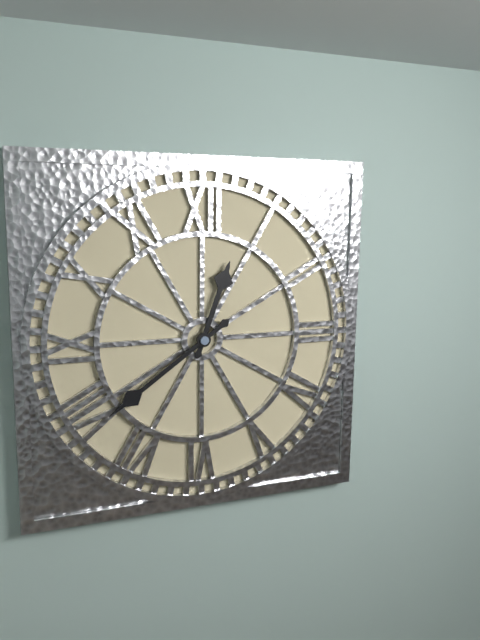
12 h 39 min
